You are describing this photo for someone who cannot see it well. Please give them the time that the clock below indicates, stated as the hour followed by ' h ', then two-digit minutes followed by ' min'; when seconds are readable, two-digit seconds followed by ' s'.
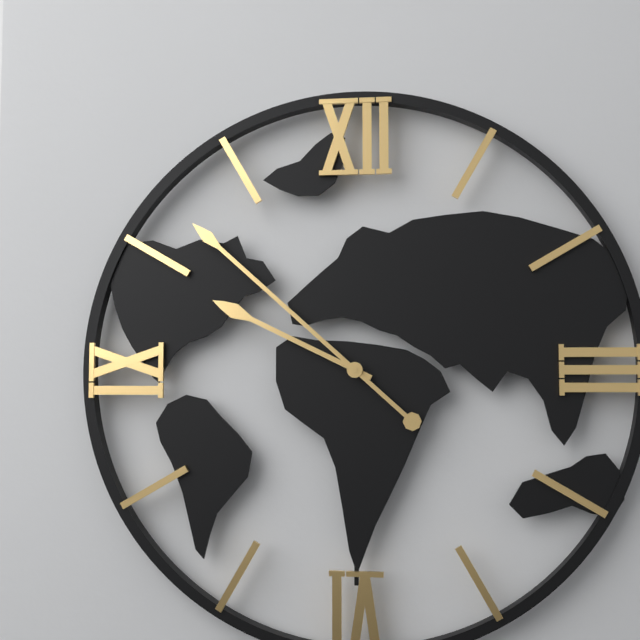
9 h 52 min
